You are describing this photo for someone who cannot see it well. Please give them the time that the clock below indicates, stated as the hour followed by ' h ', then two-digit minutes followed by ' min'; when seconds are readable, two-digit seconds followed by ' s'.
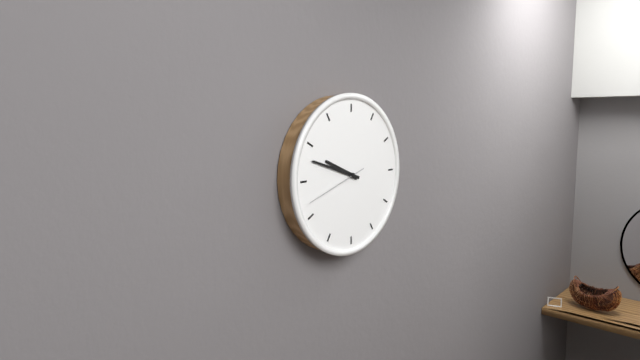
9 h 48 min 42 s
